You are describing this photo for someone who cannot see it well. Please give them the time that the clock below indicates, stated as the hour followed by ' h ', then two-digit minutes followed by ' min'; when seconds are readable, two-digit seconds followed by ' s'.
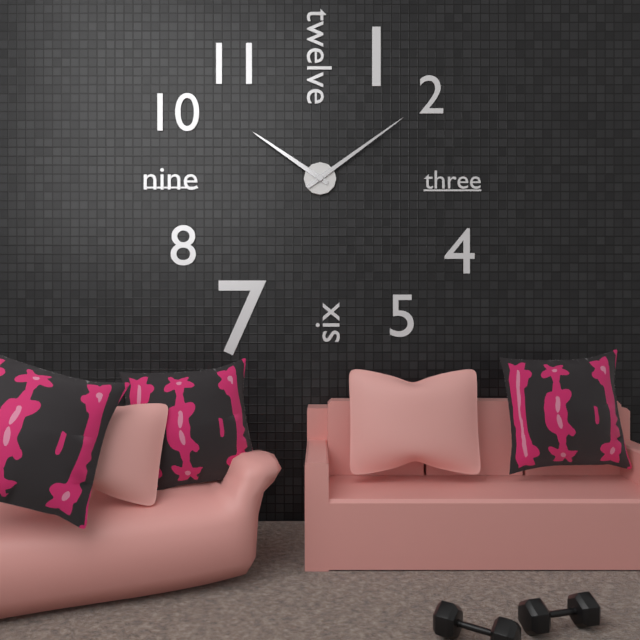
10 h 09 min
